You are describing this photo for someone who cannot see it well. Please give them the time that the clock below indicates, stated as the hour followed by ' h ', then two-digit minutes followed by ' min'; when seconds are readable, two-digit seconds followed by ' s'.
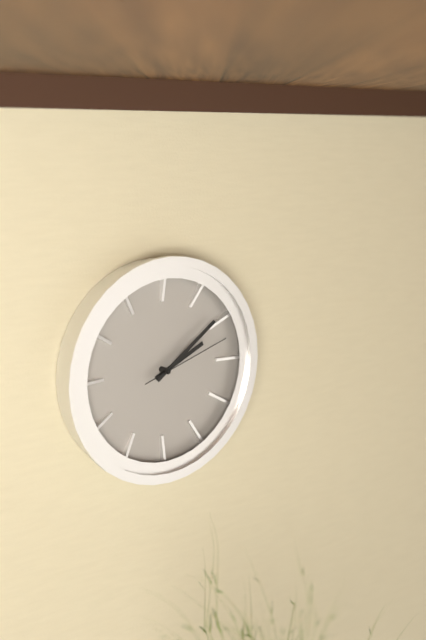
2 h 09 min 12 s
